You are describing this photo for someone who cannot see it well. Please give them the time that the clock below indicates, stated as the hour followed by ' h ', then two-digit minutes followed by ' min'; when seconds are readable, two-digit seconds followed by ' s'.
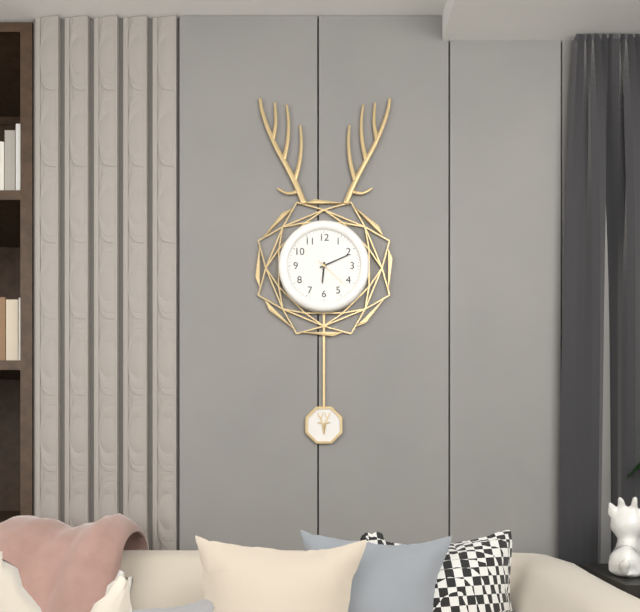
6 h 11 min
